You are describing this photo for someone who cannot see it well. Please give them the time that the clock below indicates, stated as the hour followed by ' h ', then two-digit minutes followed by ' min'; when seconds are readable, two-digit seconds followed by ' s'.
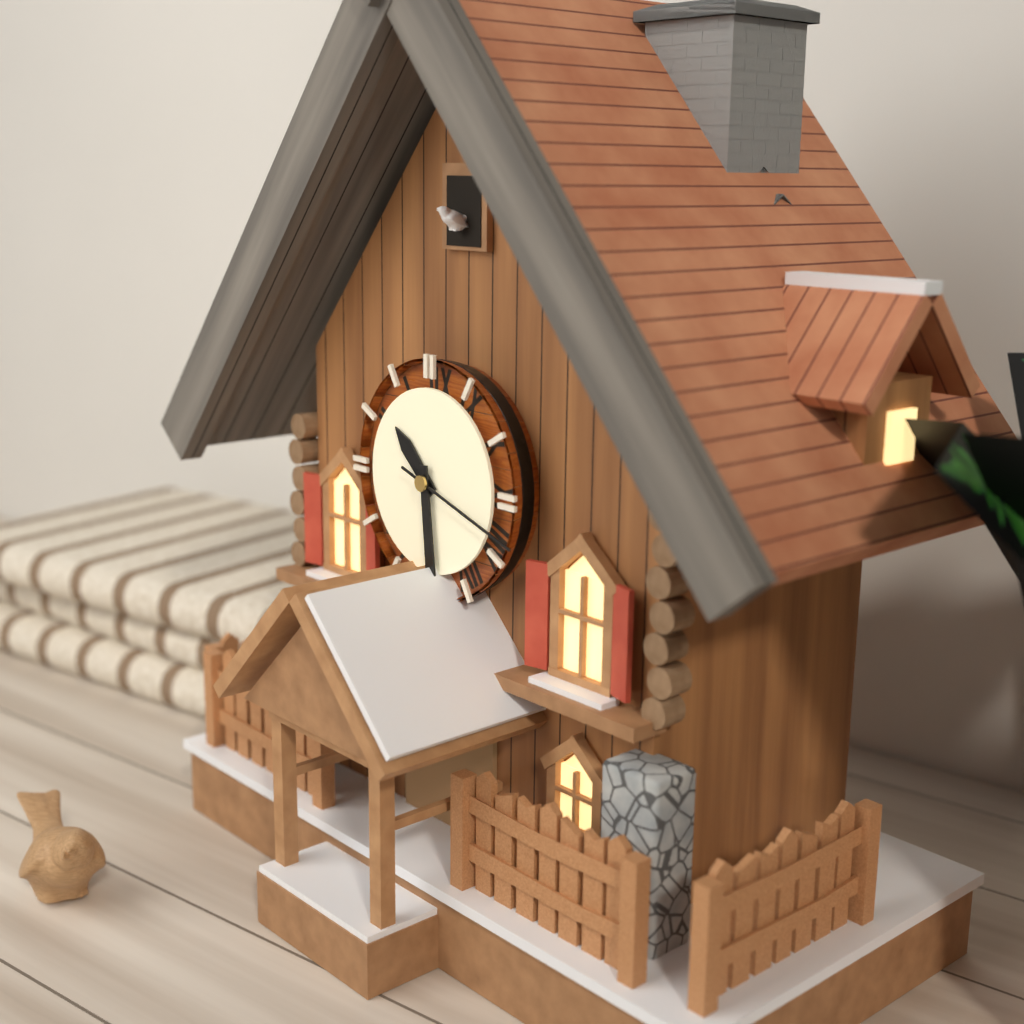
10 h 29 min 18 s
